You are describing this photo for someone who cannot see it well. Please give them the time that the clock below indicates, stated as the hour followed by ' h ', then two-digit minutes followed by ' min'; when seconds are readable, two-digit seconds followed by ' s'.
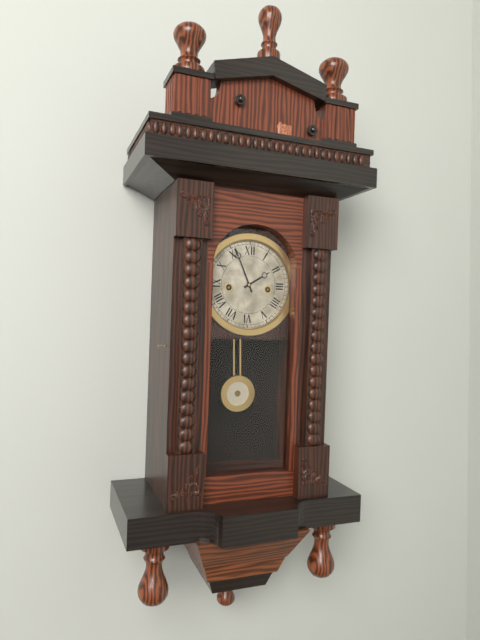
1 h 56 min
